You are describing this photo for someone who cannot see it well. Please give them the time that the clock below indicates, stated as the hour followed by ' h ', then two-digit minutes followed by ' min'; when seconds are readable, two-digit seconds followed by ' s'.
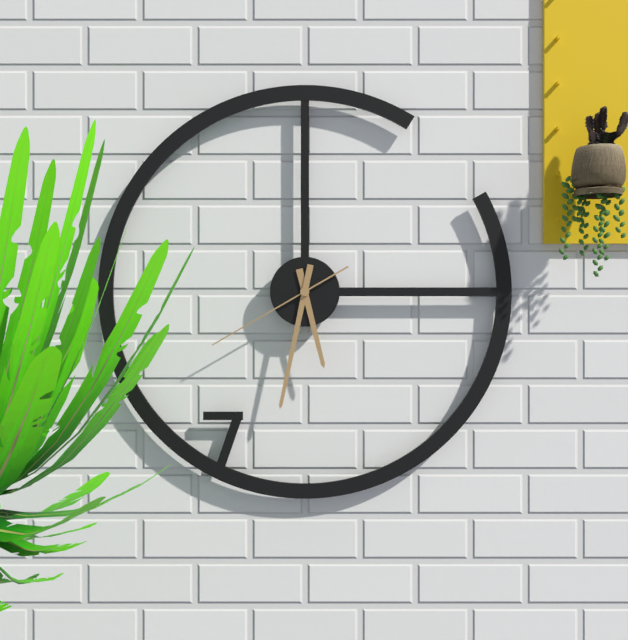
5 h 32 min 40 s
